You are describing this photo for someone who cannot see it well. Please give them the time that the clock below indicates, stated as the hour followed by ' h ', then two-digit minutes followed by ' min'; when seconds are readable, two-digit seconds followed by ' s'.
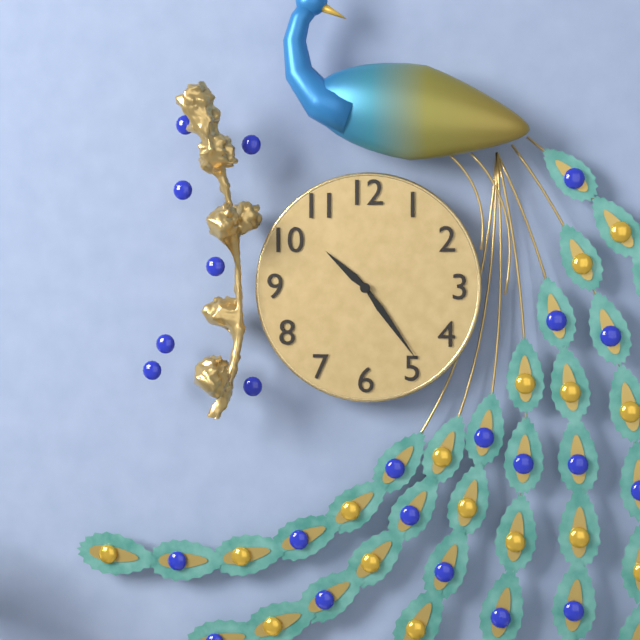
10 h 24 min
